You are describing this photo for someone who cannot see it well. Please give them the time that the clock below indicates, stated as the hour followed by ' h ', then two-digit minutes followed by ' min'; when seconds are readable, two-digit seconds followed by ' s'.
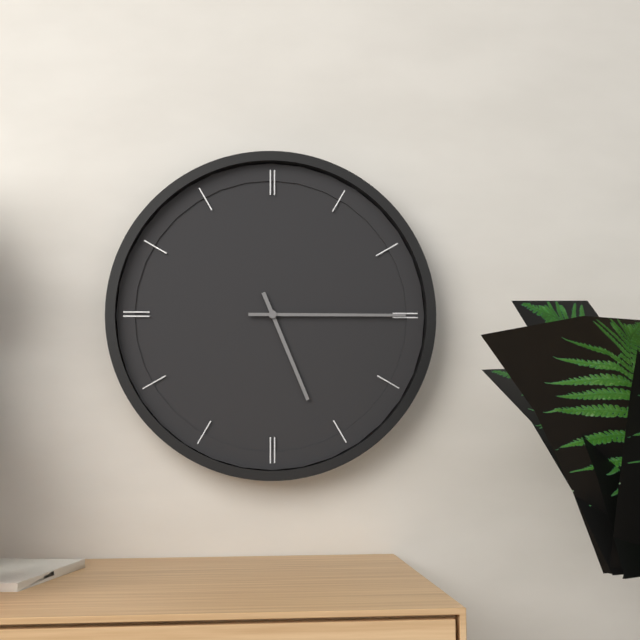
5 h 15 min
